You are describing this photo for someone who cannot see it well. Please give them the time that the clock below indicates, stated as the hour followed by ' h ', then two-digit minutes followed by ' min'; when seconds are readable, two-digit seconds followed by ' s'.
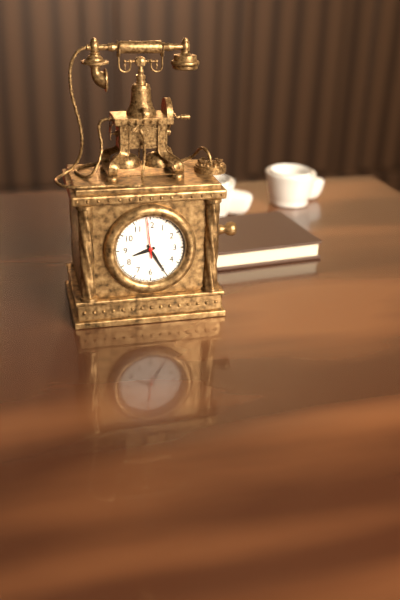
8 h 25 min
